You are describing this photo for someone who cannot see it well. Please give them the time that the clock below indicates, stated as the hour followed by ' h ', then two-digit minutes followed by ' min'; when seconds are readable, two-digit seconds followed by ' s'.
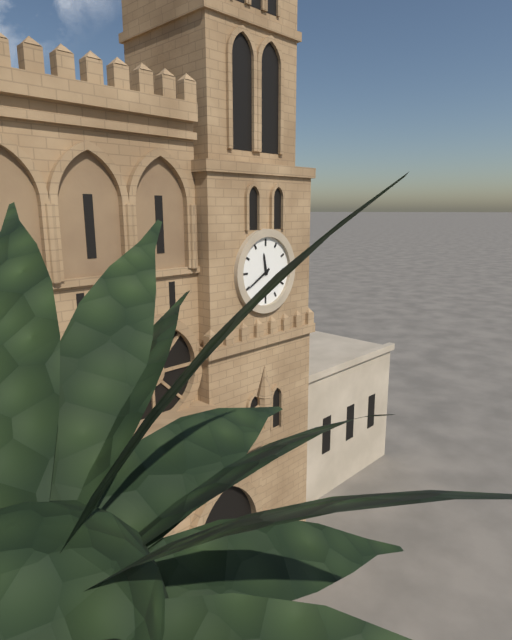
11 h 40 min
